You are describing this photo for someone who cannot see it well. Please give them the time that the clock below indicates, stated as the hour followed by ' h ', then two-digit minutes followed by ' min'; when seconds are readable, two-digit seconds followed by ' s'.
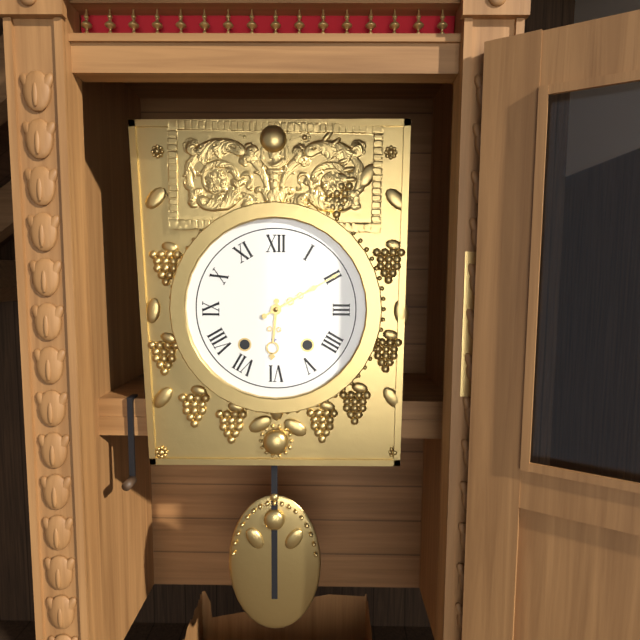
6 h 10 min
